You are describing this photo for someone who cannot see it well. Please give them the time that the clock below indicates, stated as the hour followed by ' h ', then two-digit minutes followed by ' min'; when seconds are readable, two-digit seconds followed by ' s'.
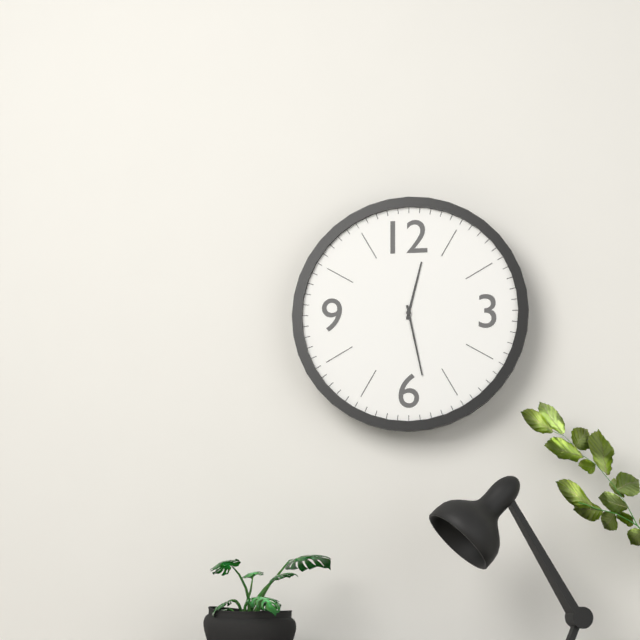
12 h 28 min
